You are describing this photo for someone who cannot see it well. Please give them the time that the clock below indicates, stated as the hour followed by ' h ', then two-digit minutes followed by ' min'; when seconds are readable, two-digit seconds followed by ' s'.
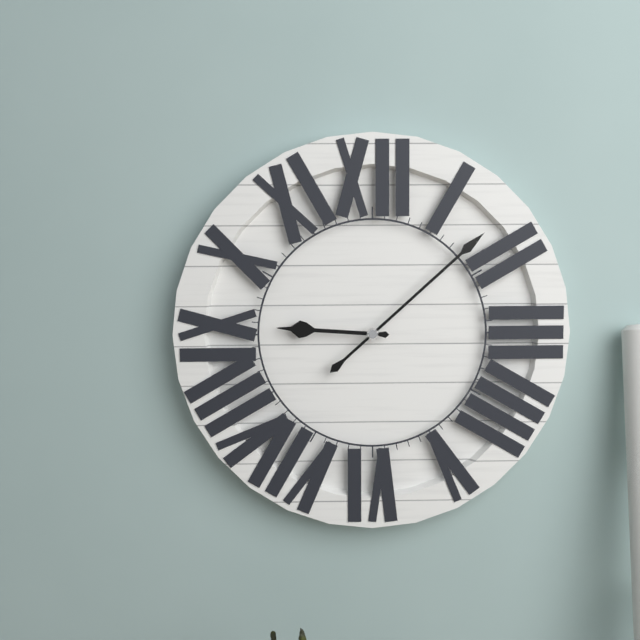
9 h 08 min
